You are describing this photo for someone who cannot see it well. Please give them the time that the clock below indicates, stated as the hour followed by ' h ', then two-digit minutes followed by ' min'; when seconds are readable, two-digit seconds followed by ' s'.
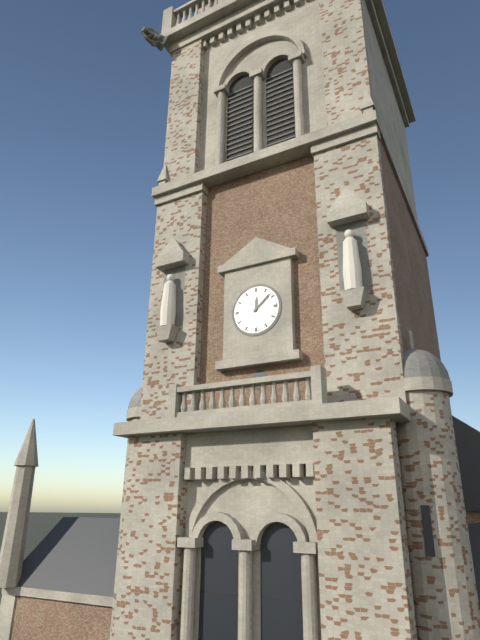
12 h 08 min
